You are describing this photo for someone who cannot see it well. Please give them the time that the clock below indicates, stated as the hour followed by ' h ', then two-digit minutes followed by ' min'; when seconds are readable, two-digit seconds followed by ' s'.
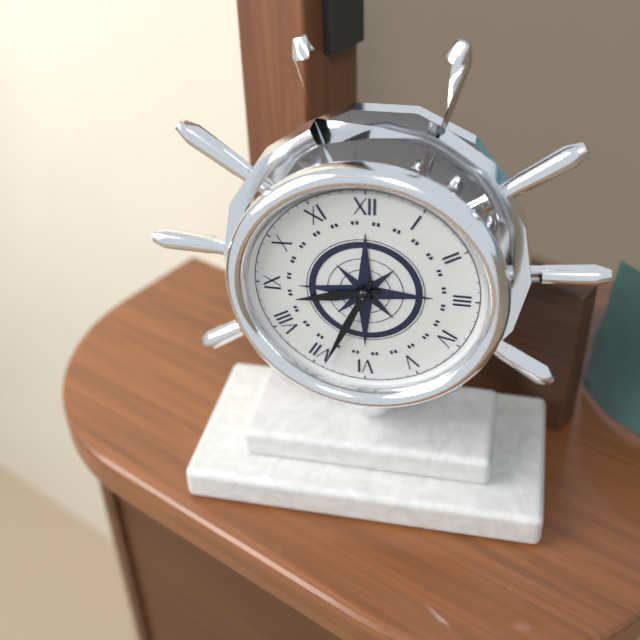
8 h 34 min
